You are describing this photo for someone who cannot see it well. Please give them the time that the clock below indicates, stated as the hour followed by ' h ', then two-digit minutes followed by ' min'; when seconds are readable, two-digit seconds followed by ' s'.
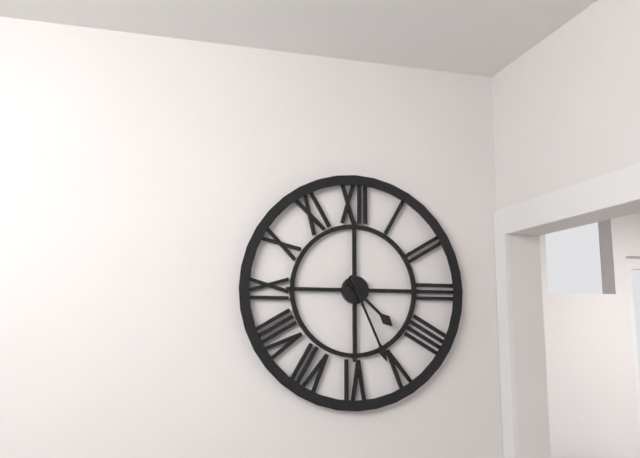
4 h 26 min
